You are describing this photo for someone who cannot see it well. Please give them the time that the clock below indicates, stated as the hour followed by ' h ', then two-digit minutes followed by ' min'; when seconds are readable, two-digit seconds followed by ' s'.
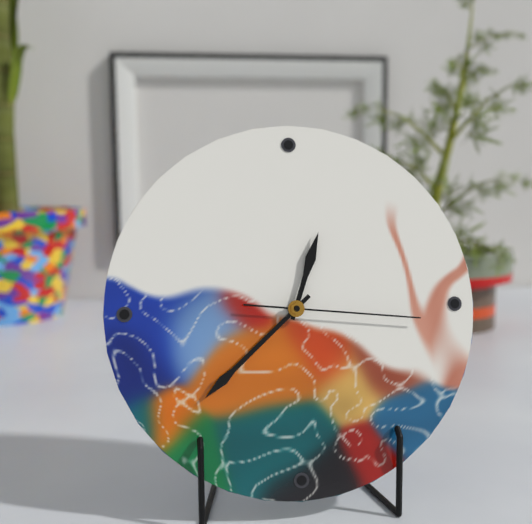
12 h 38 min 16 s
